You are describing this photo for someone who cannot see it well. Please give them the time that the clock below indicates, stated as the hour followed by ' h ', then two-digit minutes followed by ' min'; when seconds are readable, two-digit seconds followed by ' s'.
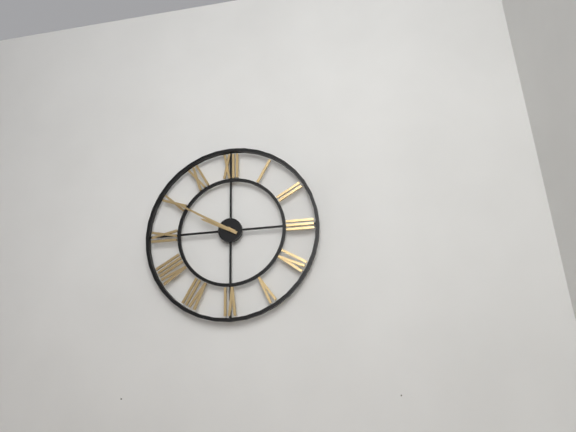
9 h 50 min
